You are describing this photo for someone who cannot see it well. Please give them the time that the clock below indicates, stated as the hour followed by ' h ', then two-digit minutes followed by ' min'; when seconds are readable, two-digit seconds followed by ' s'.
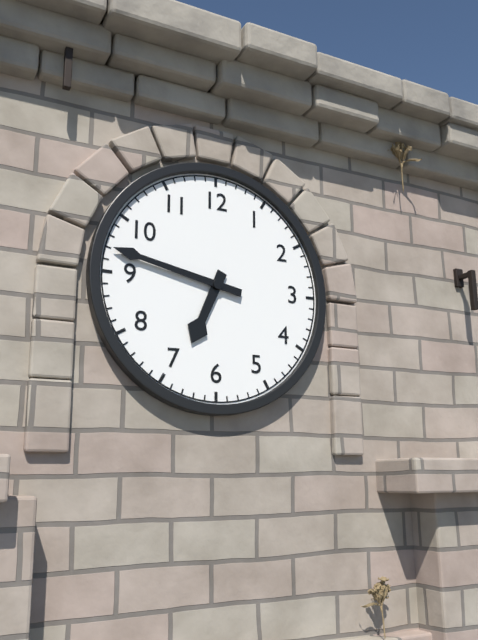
6 h 47 min
